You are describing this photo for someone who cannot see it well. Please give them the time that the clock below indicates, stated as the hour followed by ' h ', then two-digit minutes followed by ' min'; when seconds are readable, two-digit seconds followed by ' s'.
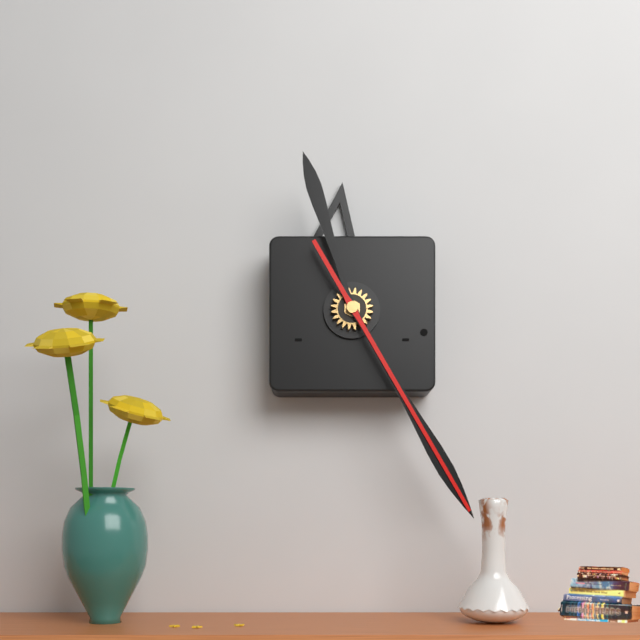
11 h 25 min 25 s
